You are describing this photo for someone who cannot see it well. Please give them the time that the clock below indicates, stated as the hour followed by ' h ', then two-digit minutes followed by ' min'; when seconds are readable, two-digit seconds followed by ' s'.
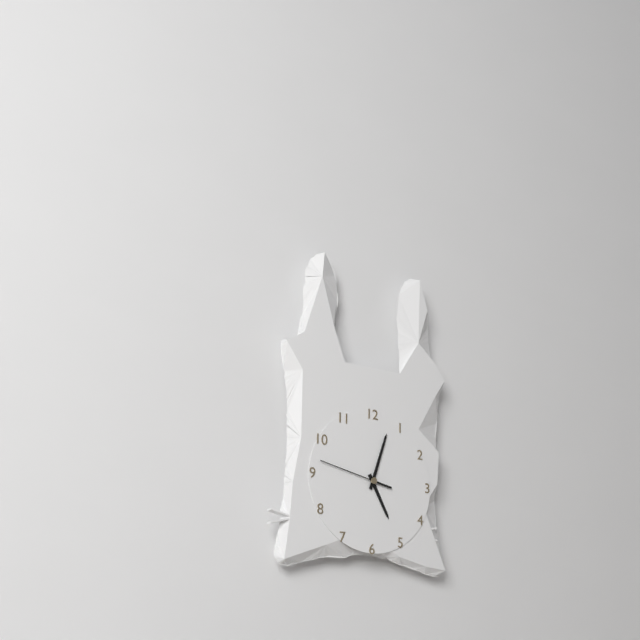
5 h 03 min 47 s
